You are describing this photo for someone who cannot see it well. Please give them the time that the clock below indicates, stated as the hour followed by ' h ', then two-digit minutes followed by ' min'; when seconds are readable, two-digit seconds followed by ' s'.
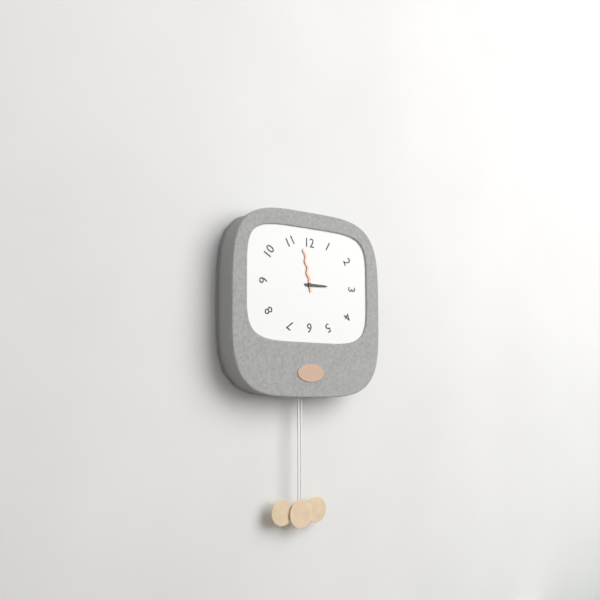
2 h 58 min
